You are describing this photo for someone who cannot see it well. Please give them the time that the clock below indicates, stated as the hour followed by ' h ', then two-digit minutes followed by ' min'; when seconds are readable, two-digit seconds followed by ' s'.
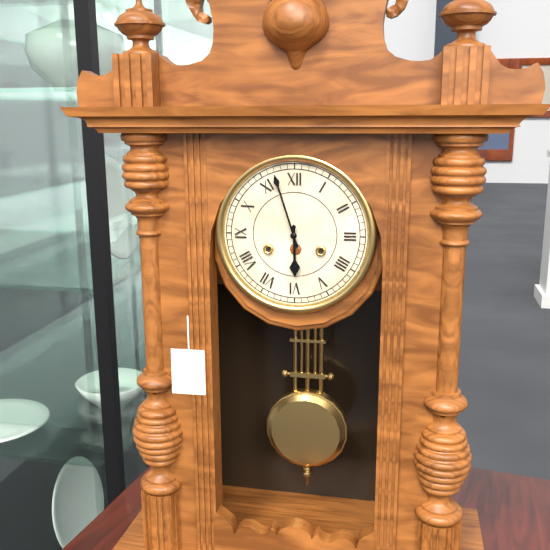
5 h 57 min
